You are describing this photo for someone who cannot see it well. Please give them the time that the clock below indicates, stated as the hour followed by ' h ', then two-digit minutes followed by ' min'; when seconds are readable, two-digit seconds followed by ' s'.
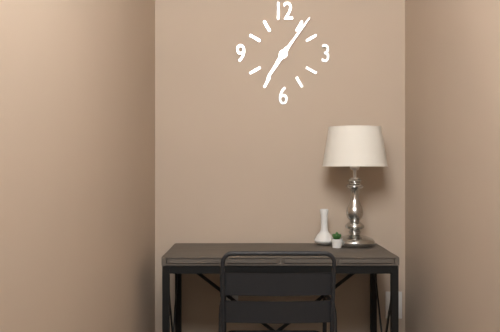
7 h 06 min
